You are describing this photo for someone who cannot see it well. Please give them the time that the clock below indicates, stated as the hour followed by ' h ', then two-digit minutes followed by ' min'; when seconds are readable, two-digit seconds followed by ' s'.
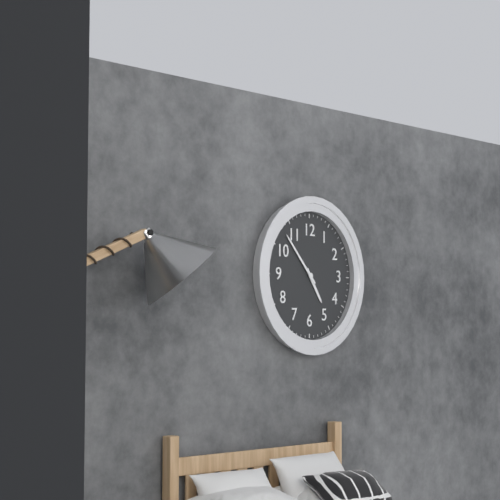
4 h 53 min
